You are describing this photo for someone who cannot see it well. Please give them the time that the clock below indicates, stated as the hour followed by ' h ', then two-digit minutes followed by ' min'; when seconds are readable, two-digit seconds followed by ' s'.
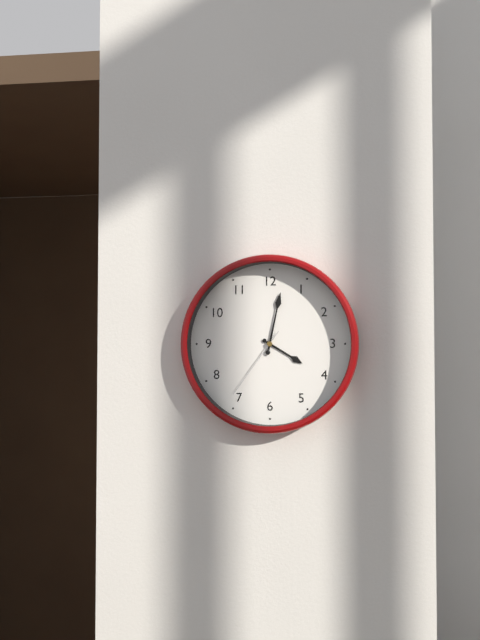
4 h 02 min 36 s
